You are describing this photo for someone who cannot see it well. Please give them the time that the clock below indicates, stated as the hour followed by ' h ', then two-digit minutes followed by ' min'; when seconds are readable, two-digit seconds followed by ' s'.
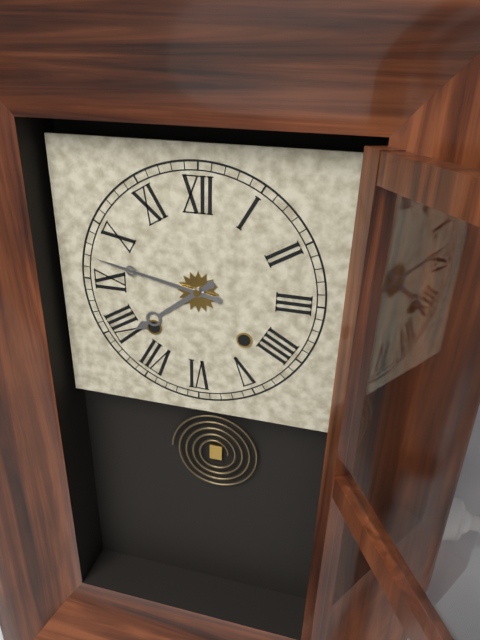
7 h 47 min
